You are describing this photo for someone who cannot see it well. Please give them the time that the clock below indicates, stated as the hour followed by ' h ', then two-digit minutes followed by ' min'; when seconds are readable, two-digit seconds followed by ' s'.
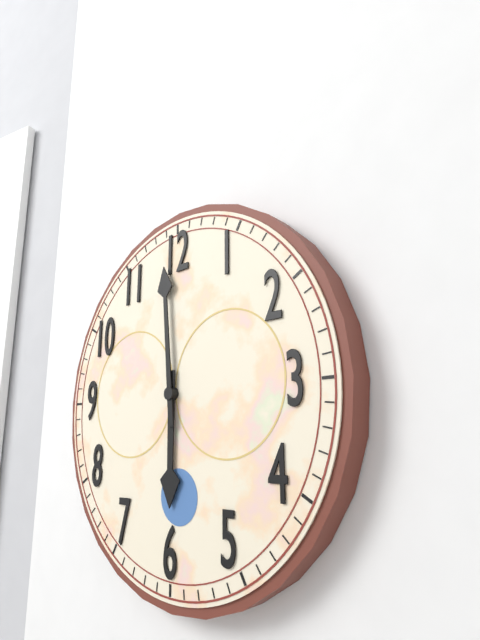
5 h 59 min
